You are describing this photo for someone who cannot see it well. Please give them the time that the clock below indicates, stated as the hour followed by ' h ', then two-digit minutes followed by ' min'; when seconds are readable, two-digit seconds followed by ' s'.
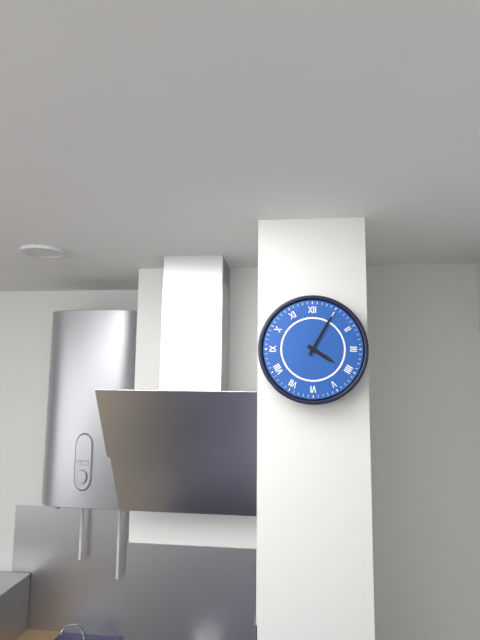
4 h 05 min
